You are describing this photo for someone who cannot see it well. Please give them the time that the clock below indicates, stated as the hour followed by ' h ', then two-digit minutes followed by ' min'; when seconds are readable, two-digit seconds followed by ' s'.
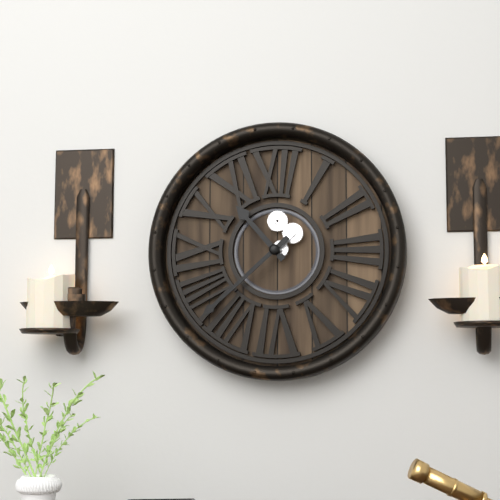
10 h 38 min
